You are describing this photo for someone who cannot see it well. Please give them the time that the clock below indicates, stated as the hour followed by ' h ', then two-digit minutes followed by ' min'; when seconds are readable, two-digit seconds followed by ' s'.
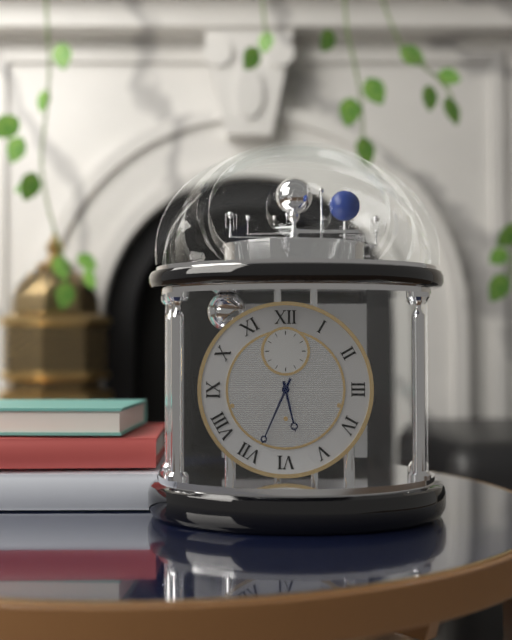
5 h 34 min
